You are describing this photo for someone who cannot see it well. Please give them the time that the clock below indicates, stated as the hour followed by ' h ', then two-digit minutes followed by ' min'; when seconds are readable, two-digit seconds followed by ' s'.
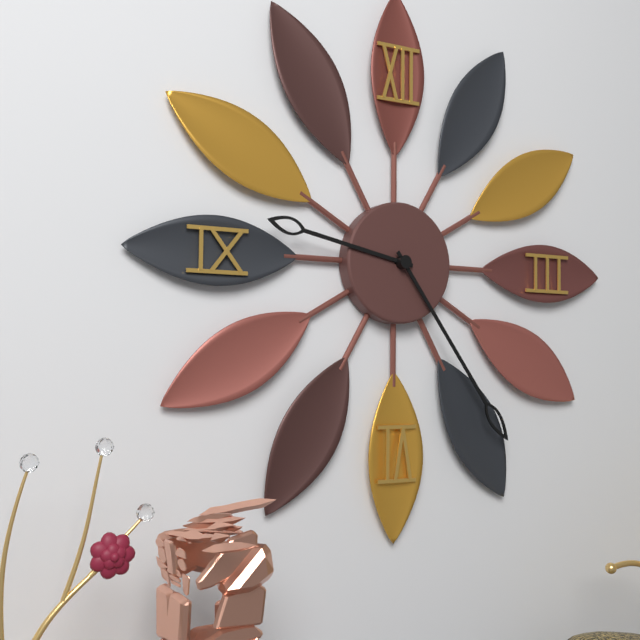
9 h 24 min
